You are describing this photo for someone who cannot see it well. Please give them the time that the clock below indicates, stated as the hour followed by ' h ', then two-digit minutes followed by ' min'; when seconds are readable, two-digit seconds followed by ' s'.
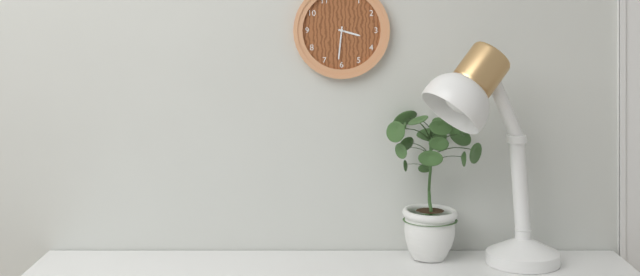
3 h 31 min
